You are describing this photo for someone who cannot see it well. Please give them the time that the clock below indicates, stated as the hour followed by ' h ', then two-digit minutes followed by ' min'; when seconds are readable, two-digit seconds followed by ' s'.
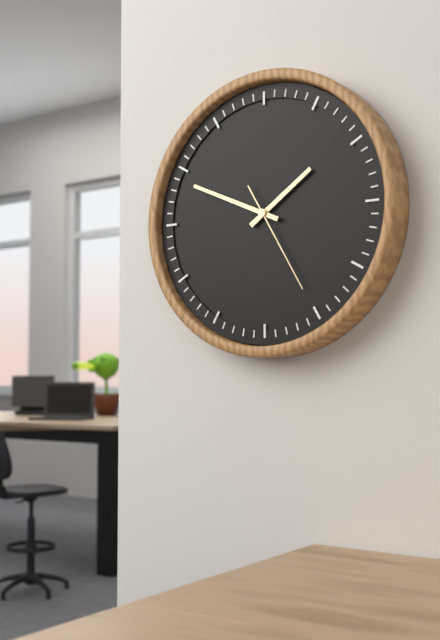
1 h 49 min 25 s
